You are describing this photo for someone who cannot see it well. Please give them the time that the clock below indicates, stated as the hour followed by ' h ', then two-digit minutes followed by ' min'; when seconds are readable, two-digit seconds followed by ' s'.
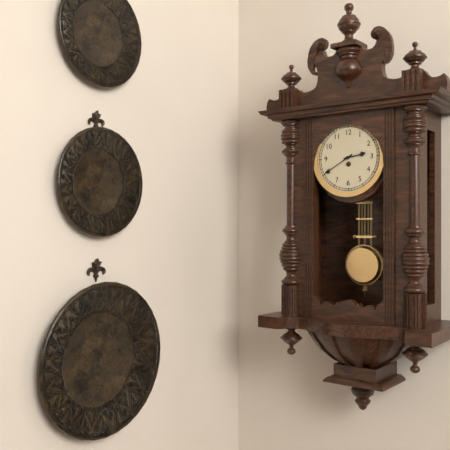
2 h 40 min
